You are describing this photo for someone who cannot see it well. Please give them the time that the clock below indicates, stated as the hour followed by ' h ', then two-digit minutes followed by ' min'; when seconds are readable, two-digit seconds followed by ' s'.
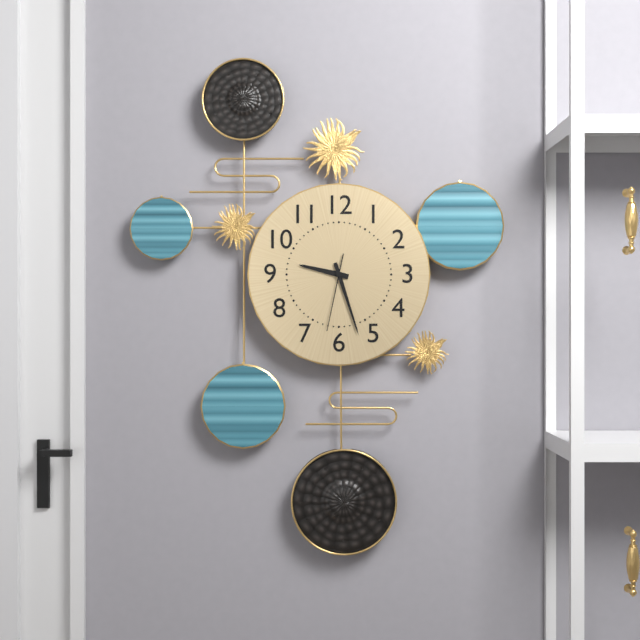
9 h 27 min 32 s
